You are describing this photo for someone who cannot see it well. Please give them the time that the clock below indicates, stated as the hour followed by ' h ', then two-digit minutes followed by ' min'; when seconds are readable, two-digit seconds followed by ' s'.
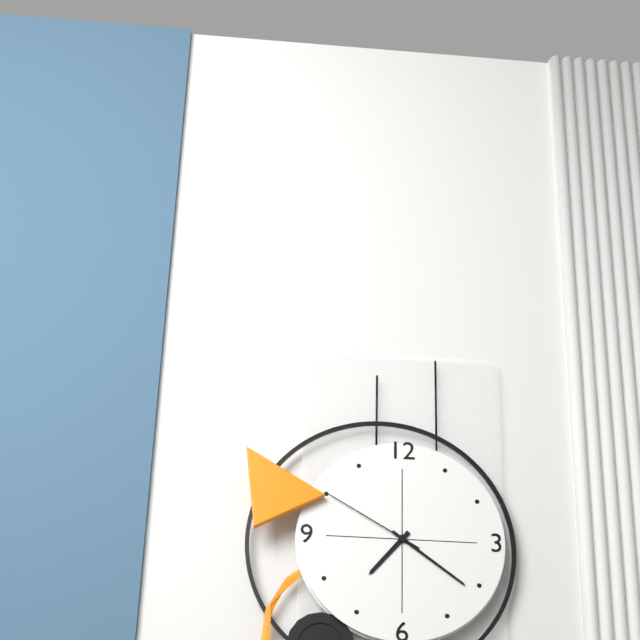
7 h 21 min 50 s
